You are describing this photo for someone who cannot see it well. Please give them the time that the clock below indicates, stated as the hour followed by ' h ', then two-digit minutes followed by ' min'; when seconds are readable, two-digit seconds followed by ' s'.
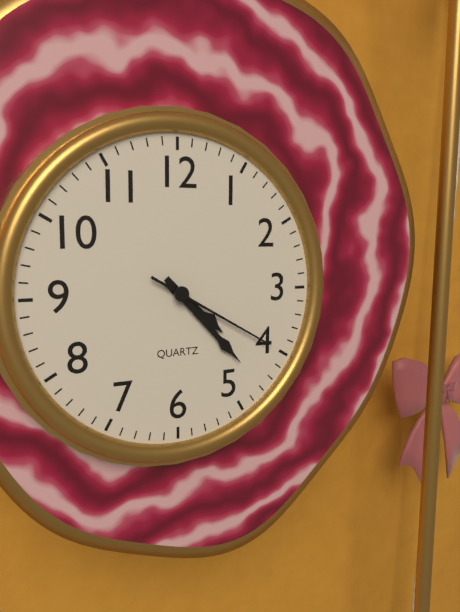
4 h 23 min 20 s
